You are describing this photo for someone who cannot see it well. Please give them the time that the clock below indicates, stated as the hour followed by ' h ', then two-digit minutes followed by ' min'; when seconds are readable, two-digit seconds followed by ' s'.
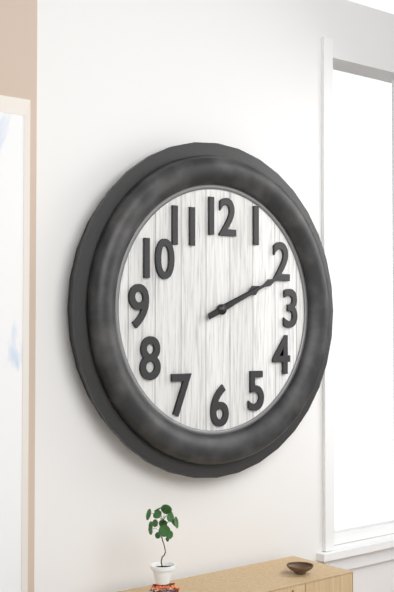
2 h 11 min
